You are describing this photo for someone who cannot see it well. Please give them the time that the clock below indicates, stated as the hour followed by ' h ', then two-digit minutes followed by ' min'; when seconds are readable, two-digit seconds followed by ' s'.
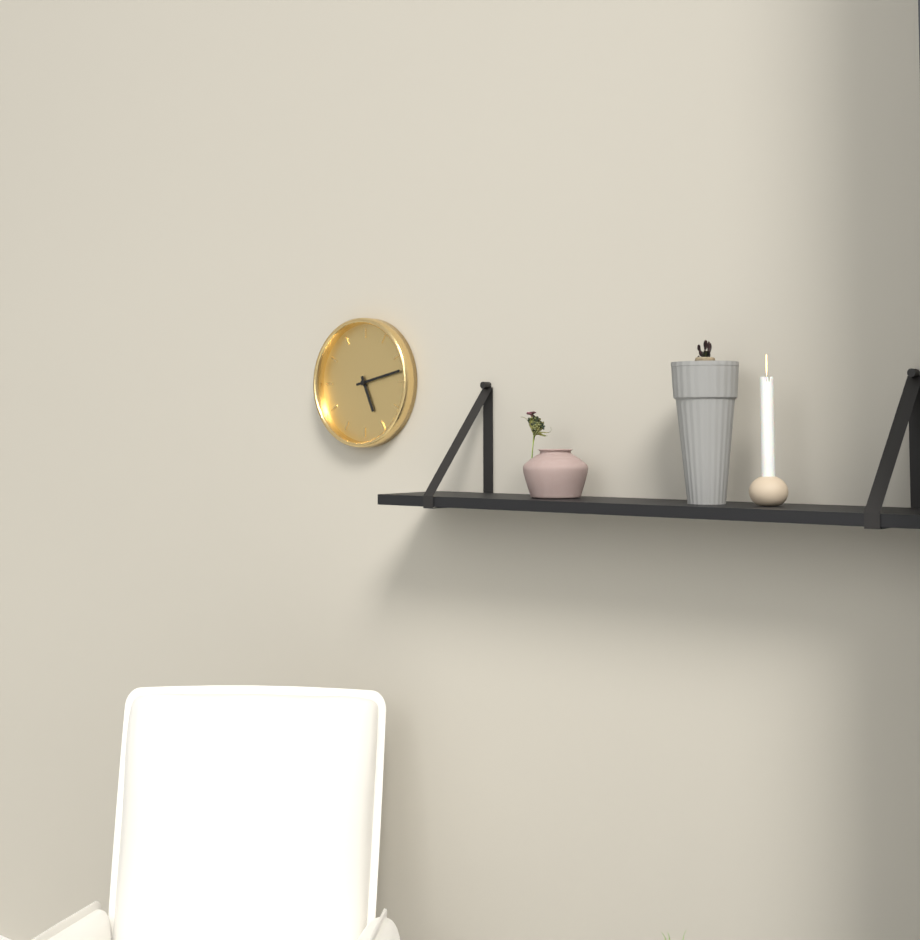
5 h 13 min
